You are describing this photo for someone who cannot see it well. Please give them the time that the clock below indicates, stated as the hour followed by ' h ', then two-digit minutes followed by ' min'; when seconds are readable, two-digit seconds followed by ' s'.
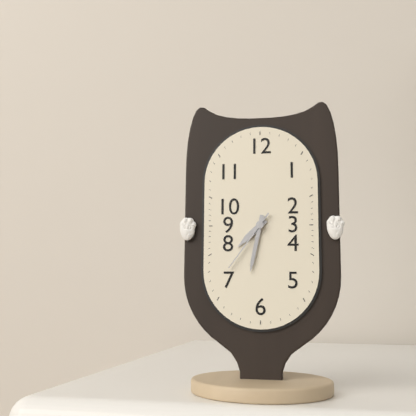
7 h 32 min 36 s
